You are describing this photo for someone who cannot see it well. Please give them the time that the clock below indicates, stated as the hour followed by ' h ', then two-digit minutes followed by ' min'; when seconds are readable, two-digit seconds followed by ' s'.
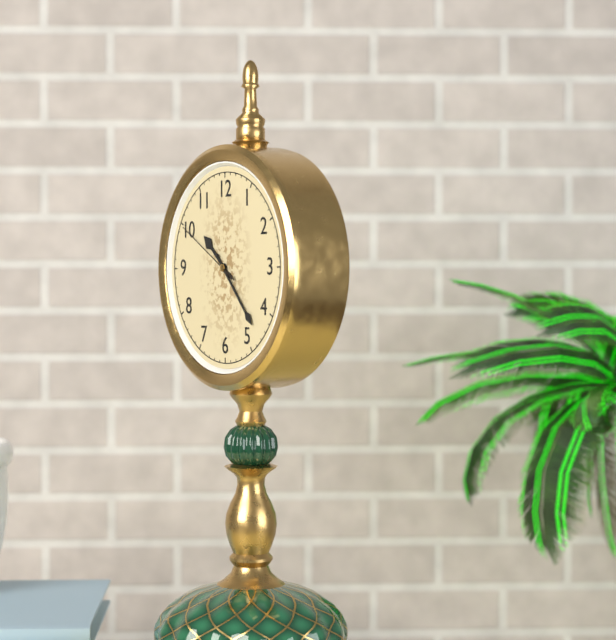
10 h 23 min 50 s
